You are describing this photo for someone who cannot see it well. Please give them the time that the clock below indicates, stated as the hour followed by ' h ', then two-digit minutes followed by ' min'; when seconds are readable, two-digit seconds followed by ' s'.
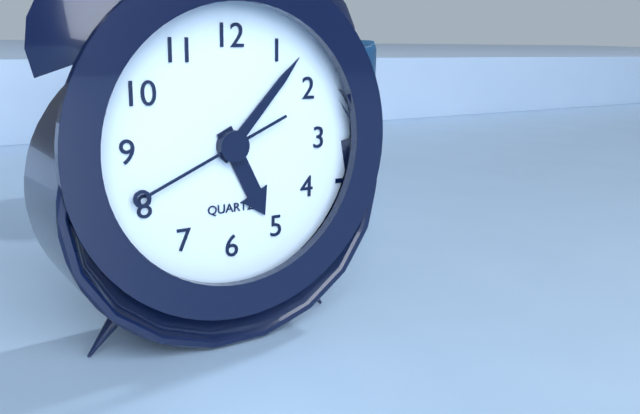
5 h 07 min 41 s
